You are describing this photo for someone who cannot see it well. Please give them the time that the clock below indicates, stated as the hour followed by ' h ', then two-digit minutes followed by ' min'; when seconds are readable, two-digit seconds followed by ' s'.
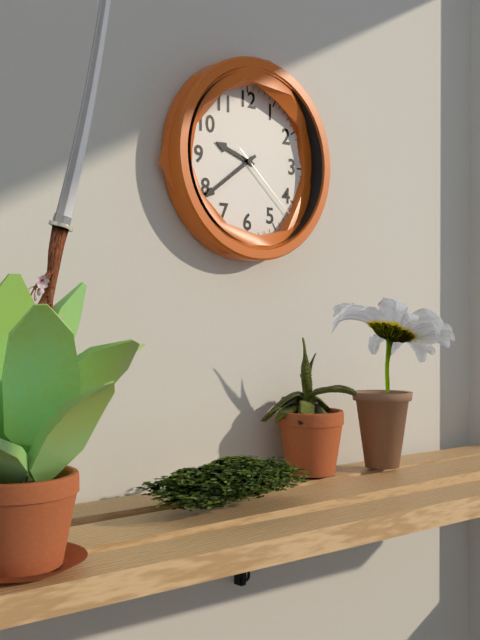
9 h 39 min 22 s
